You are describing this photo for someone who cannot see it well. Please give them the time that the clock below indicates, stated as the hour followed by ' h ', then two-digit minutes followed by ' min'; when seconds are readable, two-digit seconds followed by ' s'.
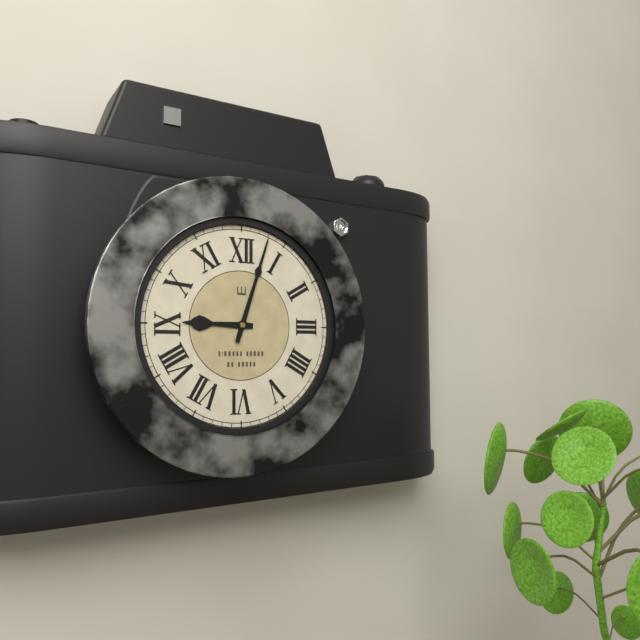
9 h 03 min
